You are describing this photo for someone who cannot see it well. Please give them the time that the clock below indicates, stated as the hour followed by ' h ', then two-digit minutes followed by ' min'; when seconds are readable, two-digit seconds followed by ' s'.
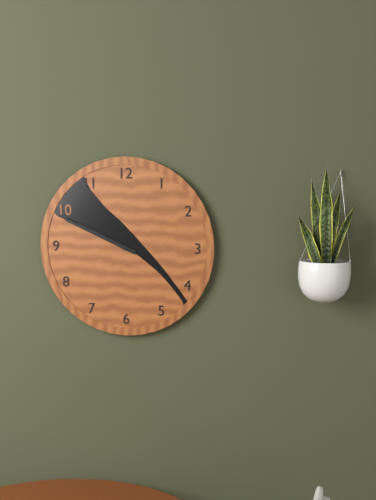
9 h 49 min
